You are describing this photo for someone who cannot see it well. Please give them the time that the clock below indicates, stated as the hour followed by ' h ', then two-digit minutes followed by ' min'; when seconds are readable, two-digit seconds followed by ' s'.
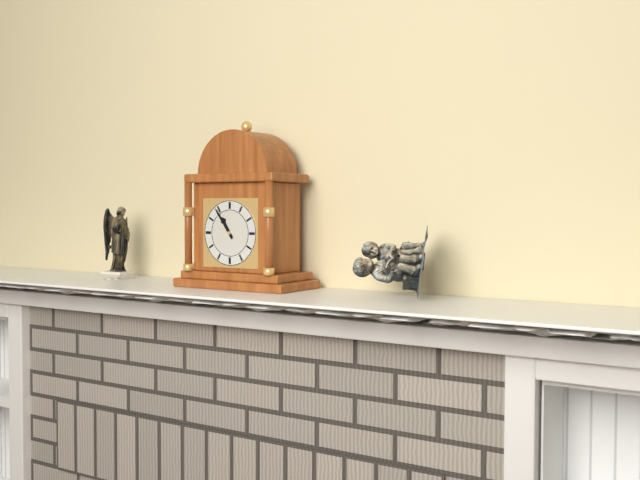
10 h 54 min
